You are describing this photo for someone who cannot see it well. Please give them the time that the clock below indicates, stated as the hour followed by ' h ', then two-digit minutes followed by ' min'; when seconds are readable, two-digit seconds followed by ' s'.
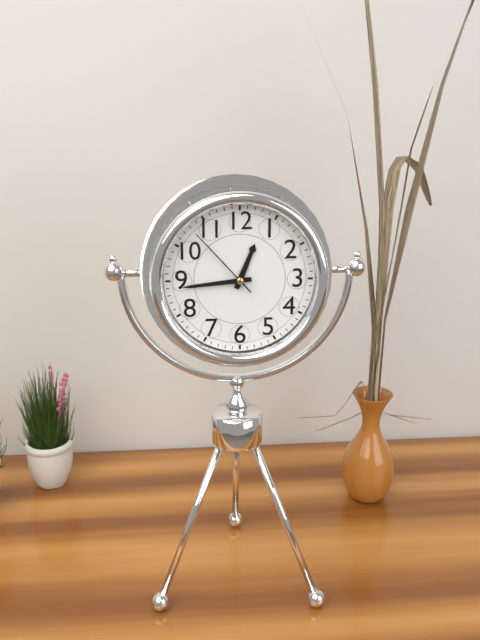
12 h 44 min 53 s
